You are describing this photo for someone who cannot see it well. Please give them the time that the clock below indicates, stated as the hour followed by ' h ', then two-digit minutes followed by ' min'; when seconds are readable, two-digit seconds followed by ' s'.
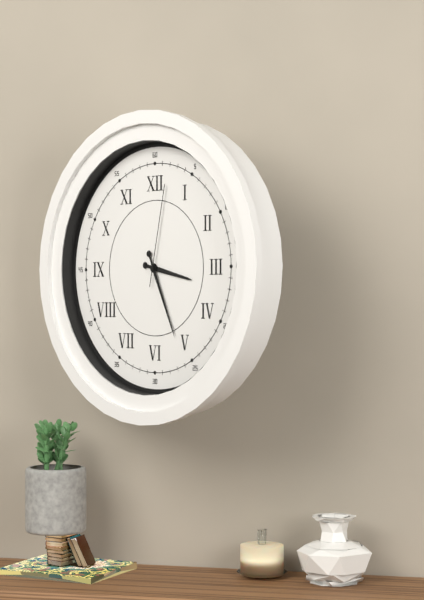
3 h 26 min 02 s
